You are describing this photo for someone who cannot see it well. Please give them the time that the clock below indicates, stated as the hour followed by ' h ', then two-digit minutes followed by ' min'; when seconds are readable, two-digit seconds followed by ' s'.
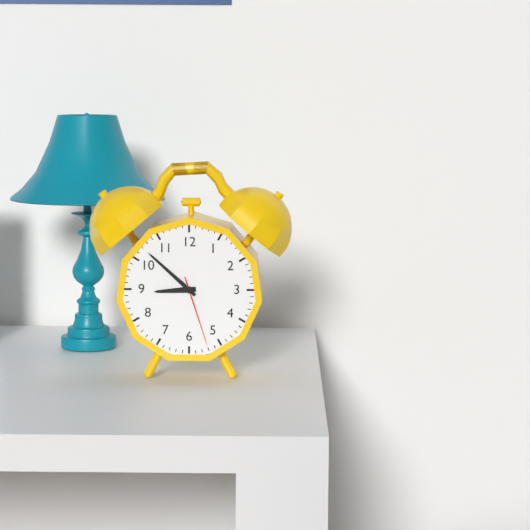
8 h 52 min 27 s
